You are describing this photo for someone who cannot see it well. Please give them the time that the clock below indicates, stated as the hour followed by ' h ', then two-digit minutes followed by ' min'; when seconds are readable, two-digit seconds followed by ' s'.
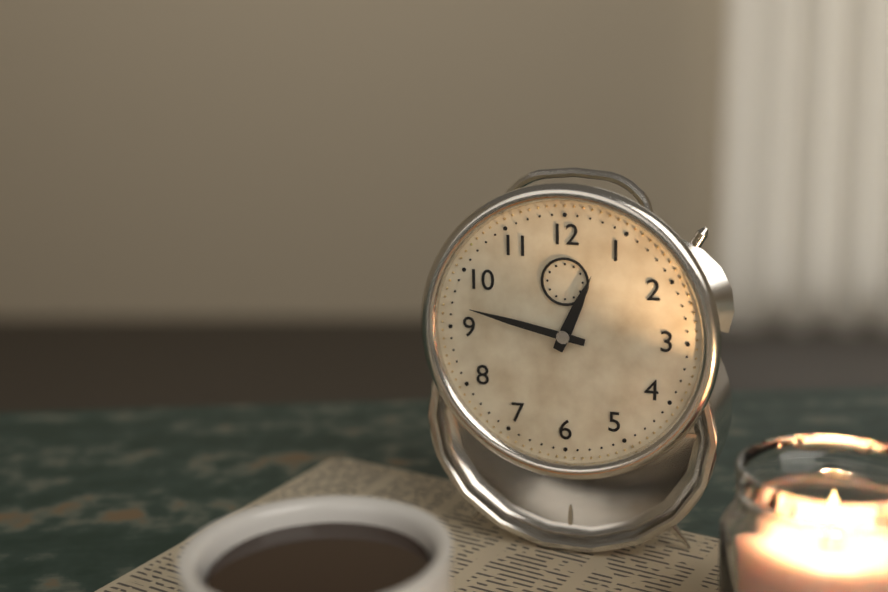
12 h 47 min
